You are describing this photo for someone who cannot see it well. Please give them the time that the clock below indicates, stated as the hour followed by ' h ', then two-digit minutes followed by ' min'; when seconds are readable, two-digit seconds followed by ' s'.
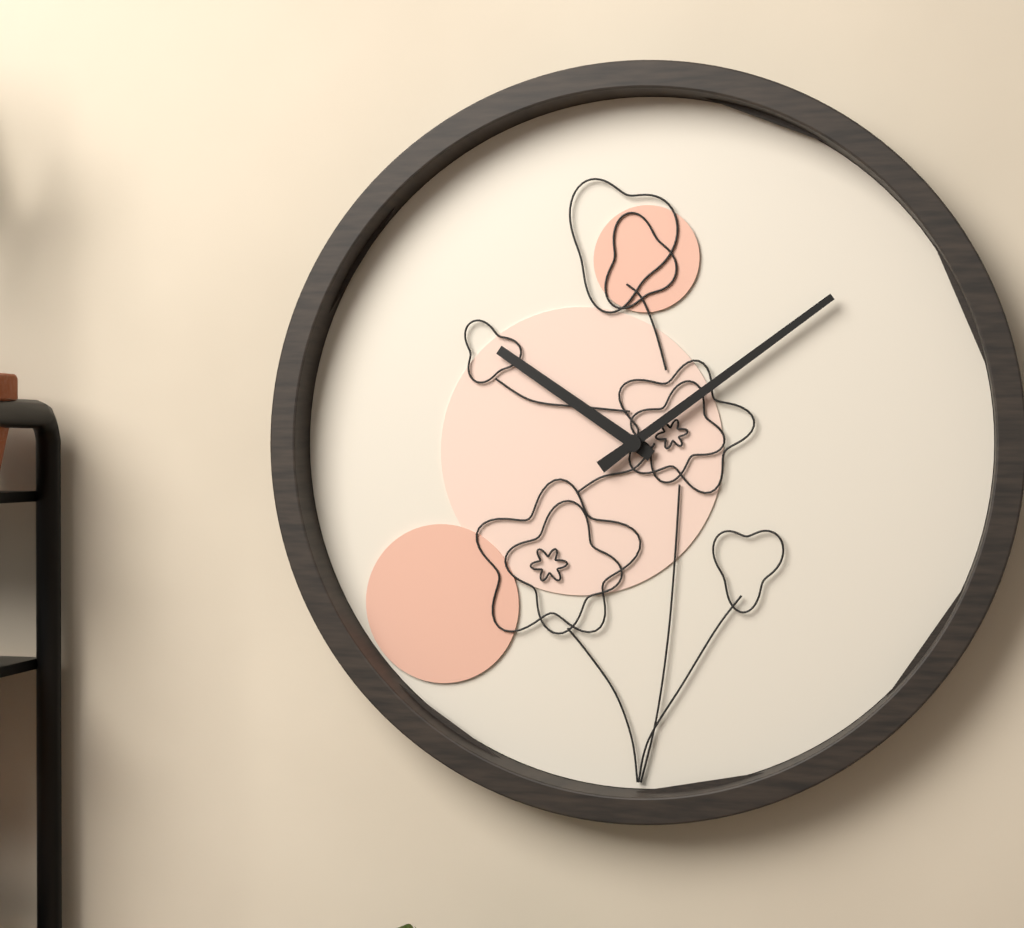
10 h 09 min
